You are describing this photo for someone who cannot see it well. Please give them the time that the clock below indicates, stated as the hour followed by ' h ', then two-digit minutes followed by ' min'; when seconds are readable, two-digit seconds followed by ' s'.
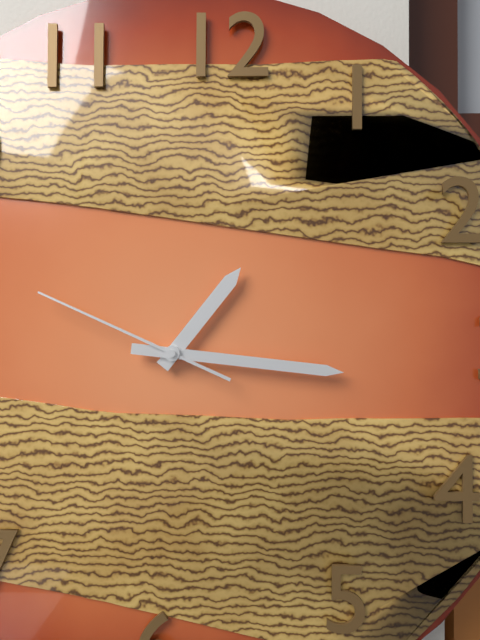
1 h 16 min 49 s
